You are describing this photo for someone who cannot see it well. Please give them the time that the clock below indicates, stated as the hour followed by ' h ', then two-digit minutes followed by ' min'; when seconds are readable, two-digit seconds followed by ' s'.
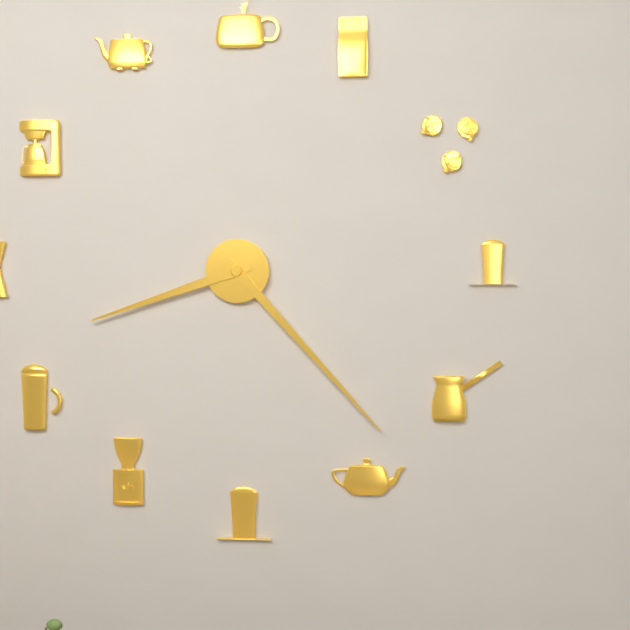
8 h 23 min
